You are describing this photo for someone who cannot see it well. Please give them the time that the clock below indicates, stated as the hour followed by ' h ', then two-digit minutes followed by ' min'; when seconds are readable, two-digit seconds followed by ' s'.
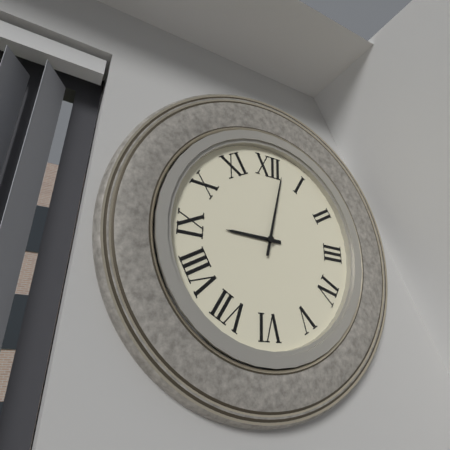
9 h 02 min
